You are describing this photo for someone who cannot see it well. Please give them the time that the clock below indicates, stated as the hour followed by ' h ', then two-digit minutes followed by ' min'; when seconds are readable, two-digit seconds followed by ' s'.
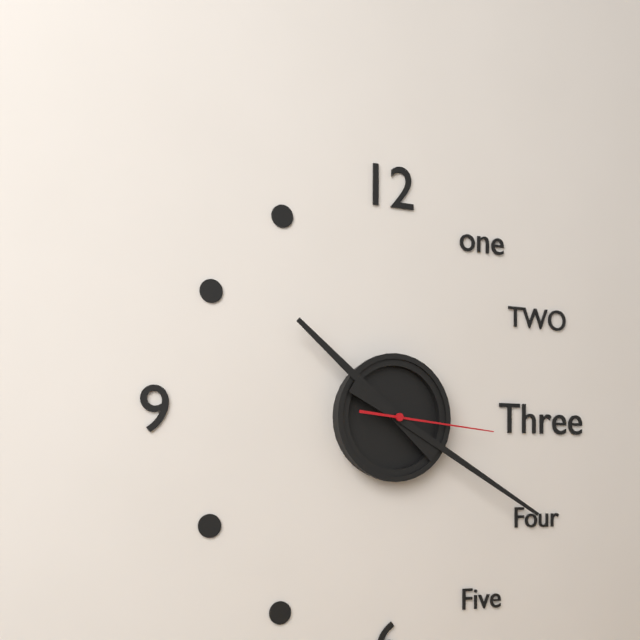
10 h 20 min 16 s
